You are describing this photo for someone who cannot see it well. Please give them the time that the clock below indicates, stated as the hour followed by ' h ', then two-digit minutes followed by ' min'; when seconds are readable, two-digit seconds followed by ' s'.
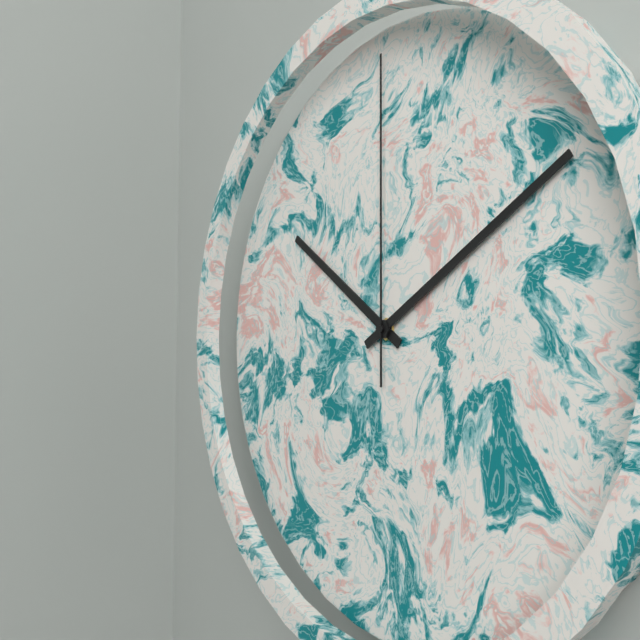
10 h 10 min 00 s
